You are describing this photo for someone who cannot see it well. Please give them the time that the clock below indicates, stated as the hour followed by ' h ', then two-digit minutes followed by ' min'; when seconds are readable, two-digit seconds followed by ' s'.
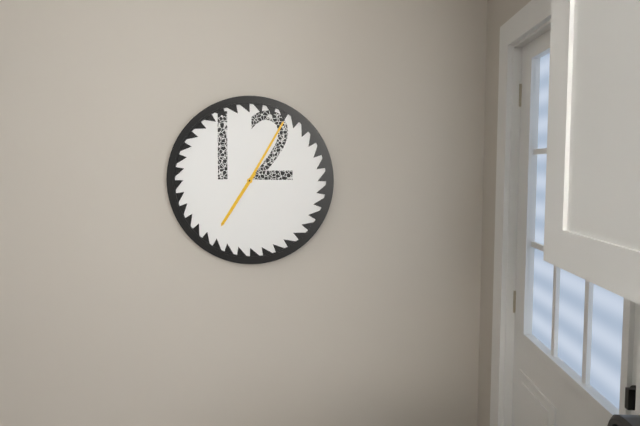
7 h 05 min
